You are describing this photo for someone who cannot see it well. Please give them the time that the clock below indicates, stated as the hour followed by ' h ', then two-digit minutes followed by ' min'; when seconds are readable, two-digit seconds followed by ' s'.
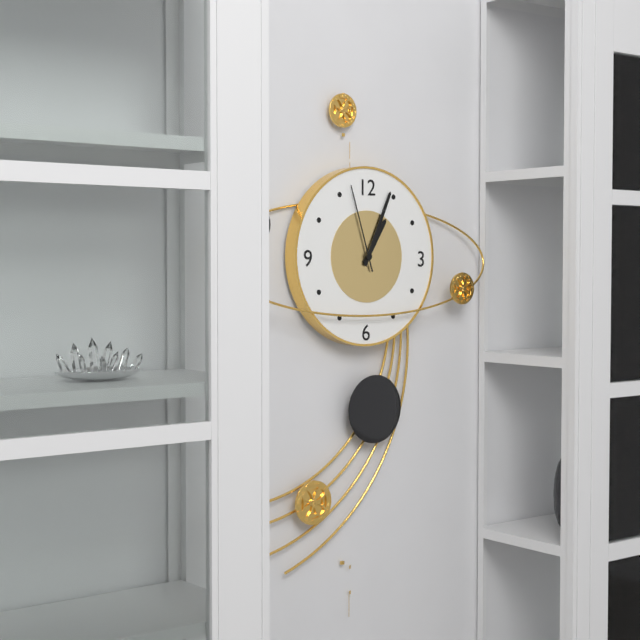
1 h 04 min 57 s
